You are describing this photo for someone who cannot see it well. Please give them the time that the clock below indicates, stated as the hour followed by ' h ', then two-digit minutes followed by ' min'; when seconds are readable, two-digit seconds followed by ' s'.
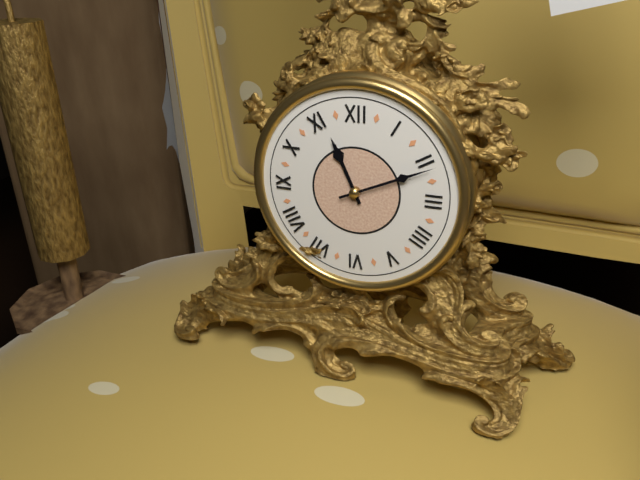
11 h 11 min
